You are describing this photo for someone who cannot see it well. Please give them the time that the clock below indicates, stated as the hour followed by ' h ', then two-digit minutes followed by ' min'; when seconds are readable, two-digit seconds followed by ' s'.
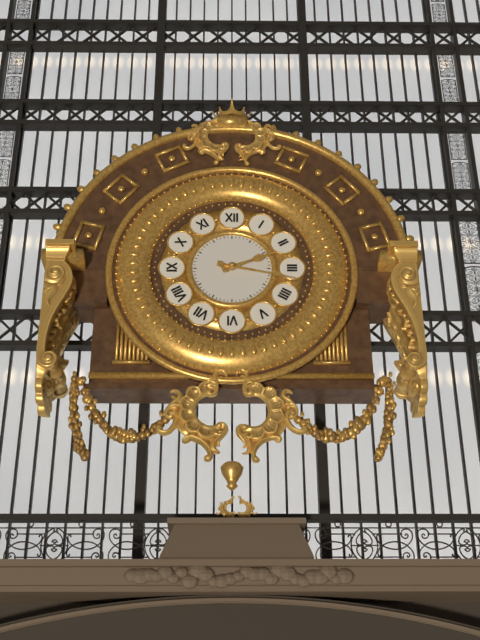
2 h 17 min
